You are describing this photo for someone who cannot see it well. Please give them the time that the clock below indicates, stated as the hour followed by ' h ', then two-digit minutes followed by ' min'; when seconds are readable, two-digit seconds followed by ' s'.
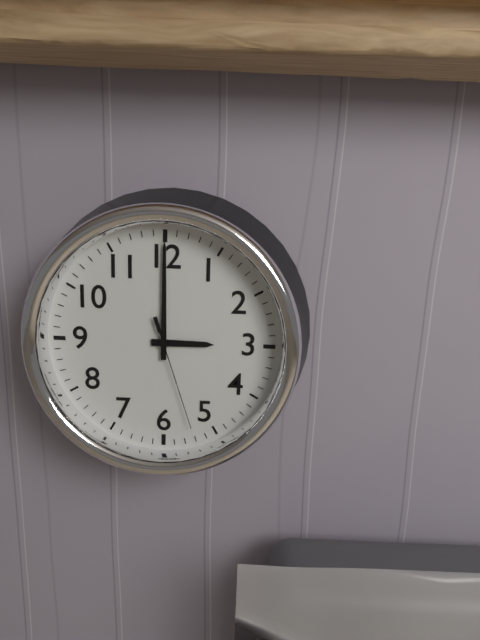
3 h 00 min 27 s
